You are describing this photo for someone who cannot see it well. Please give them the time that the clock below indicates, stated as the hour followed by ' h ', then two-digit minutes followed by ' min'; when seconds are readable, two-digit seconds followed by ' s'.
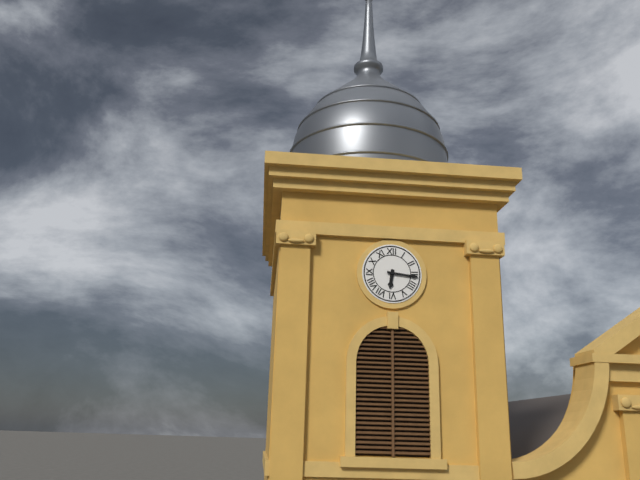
6 h 16 min
